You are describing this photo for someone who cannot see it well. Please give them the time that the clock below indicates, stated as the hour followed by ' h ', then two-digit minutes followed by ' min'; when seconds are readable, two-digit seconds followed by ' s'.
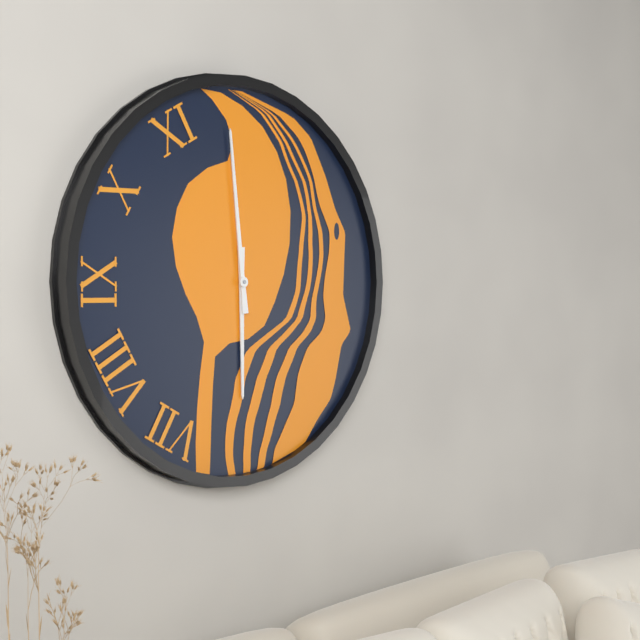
5 h 59 min
